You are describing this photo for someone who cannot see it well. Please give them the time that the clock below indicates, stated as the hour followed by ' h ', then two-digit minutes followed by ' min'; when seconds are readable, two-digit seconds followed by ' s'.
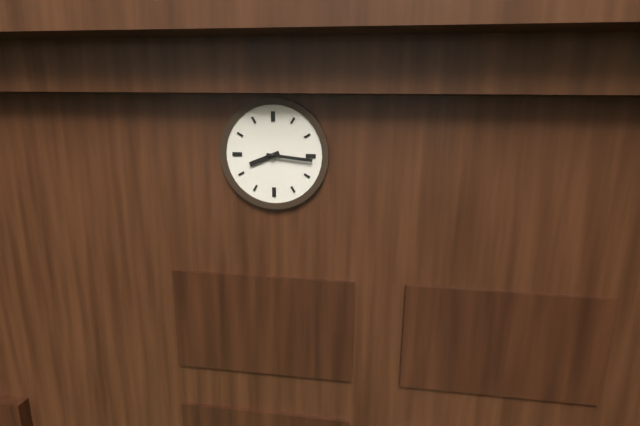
8 h 16 min
